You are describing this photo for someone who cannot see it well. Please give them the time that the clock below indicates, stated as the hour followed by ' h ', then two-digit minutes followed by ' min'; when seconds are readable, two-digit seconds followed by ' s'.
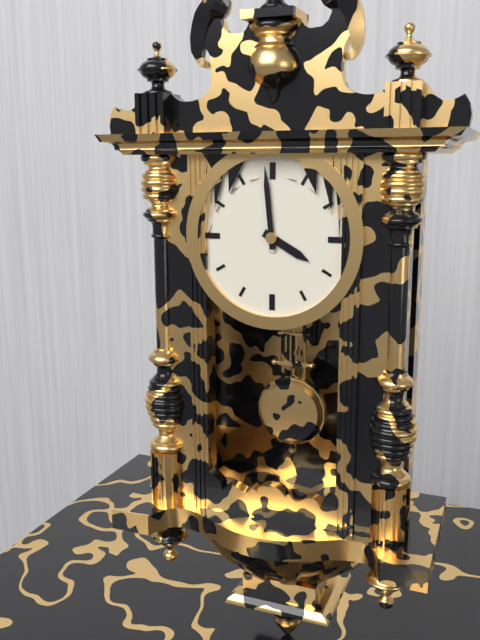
3 h 59 min
